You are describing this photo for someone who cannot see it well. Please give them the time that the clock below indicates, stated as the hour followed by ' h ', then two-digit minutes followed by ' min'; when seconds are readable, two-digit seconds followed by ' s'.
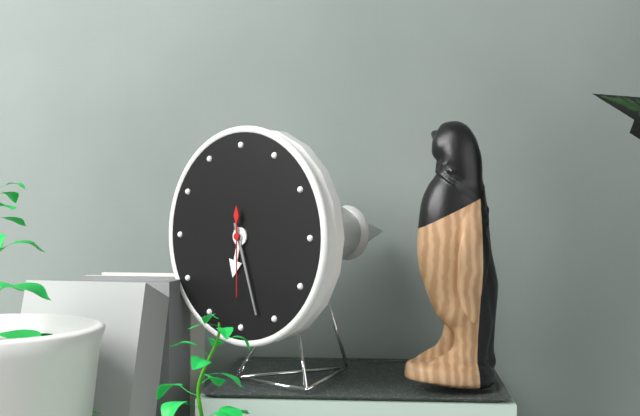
6 h 27 min 30 s
